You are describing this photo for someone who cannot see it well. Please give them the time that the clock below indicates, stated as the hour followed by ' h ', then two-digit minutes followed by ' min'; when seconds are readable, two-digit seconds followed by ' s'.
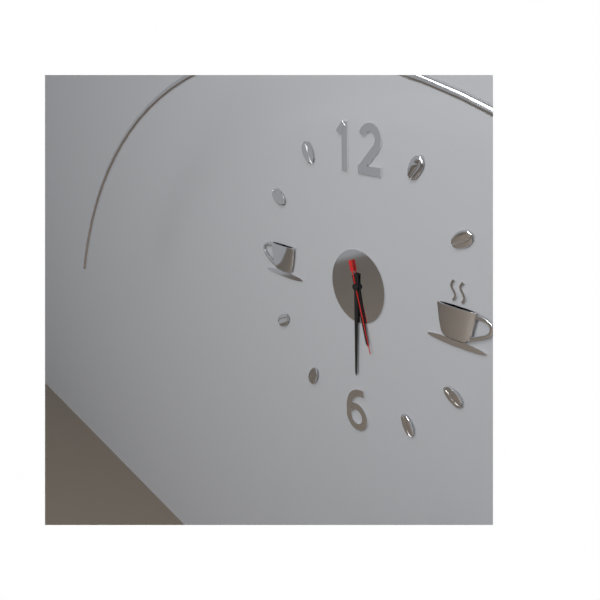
5 h 30 min 27 s
